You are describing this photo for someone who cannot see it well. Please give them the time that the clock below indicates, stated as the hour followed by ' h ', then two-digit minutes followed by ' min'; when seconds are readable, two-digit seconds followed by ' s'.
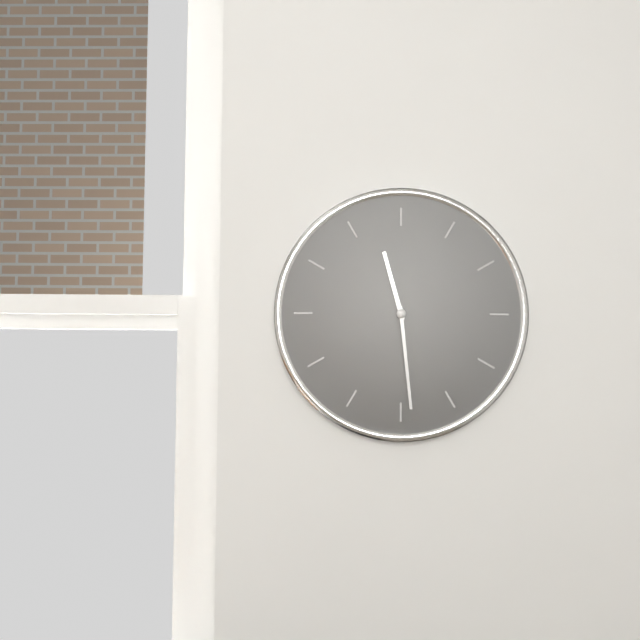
11 h 29 min
